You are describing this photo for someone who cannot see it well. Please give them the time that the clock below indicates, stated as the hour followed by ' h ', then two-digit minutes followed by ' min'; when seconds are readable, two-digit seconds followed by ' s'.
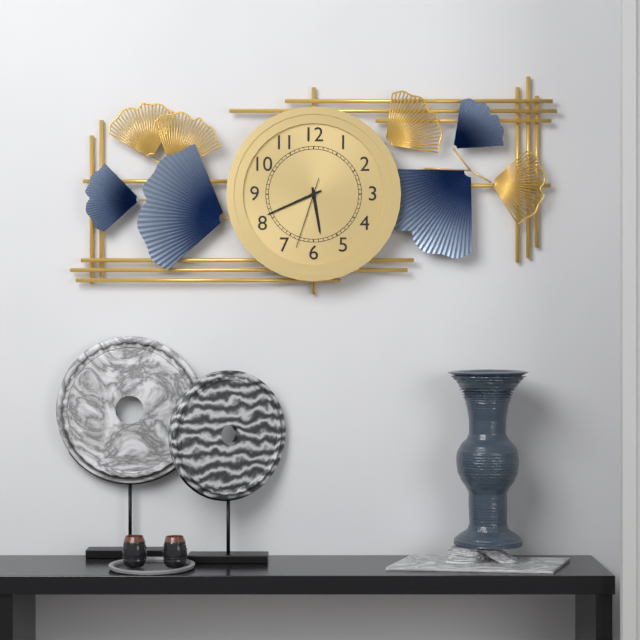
5 h 41 min 33 s
